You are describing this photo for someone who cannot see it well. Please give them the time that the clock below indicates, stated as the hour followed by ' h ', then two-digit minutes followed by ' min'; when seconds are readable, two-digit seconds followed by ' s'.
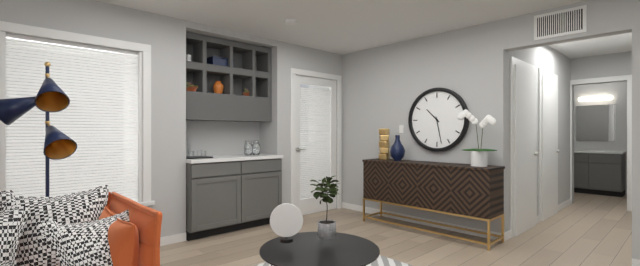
10 h 28 min
